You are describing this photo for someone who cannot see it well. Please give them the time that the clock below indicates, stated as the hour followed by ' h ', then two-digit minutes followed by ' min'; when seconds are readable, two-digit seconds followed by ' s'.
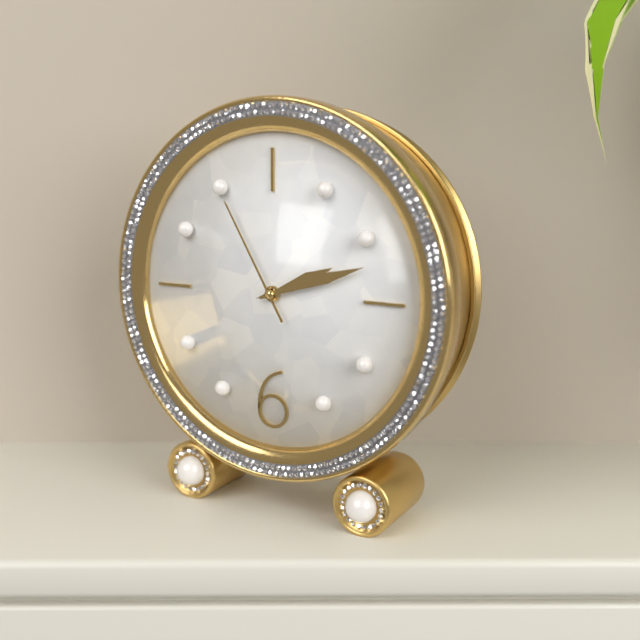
2 h 12 min 55 s
